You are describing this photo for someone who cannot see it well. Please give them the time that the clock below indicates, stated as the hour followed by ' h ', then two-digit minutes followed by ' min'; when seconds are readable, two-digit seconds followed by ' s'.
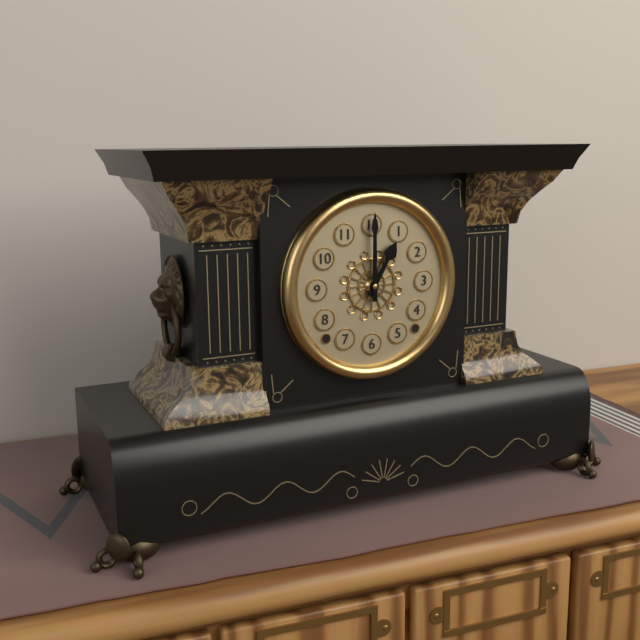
1 h 00 min
